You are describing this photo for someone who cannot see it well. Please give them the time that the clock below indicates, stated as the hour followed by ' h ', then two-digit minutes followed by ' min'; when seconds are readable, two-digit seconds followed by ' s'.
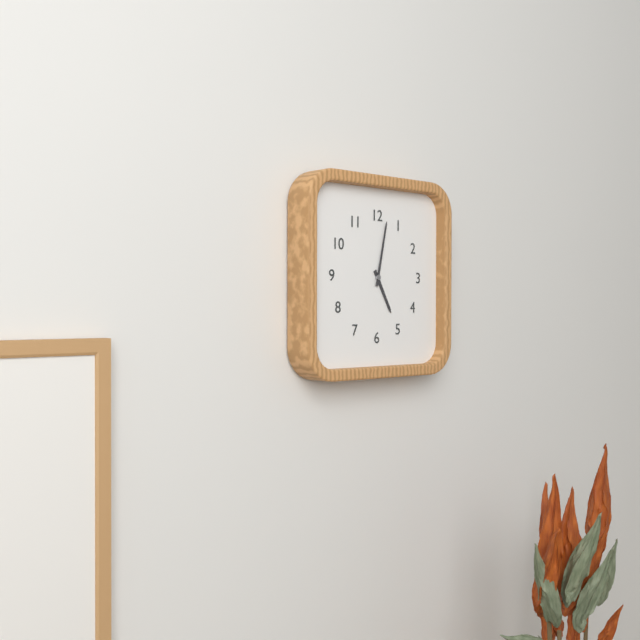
5 h 02 min
